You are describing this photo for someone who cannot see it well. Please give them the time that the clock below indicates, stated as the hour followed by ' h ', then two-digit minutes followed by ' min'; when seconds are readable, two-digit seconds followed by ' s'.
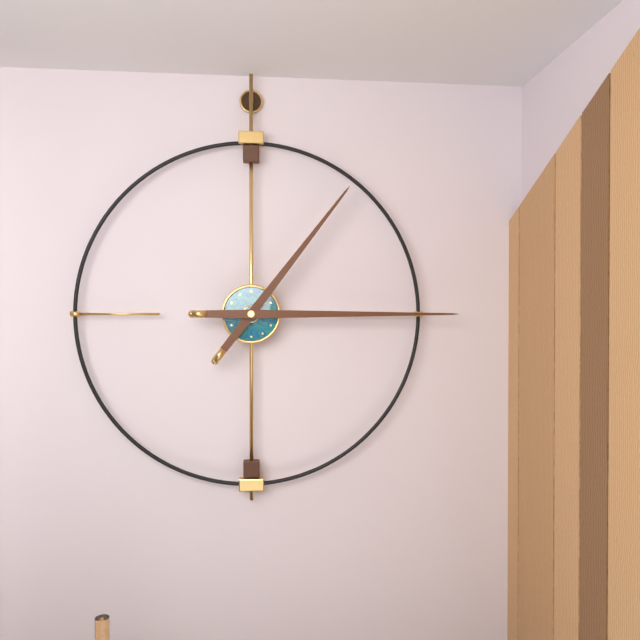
1 h 15 min
